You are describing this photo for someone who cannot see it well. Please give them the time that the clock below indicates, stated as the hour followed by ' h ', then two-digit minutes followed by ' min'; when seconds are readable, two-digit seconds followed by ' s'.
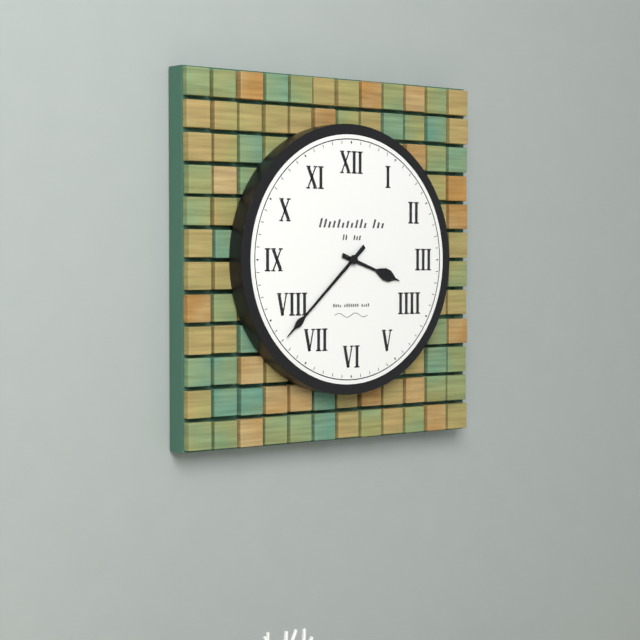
3 h 38 min
